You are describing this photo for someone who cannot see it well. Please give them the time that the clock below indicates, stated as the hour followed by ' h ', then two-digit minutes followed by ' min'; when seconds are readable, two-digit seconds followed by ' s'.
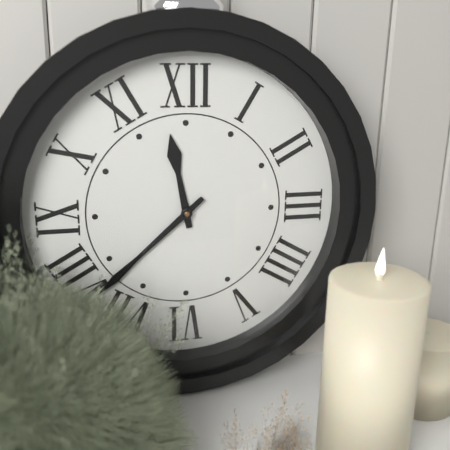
11 h 38 min
